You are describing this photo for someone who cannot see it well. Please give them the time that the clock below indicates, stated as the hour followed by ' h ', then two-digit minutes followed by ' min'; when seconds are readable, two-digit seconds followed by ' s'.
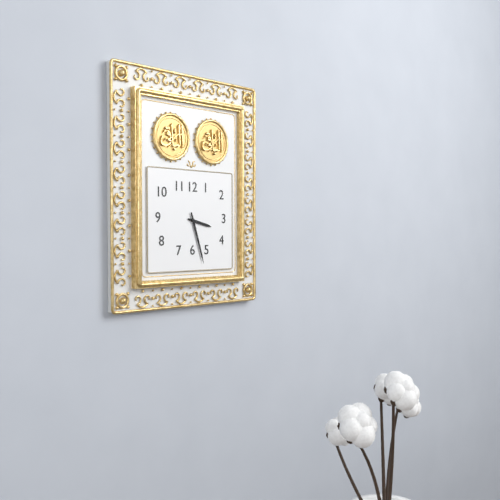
3 h 27 min
